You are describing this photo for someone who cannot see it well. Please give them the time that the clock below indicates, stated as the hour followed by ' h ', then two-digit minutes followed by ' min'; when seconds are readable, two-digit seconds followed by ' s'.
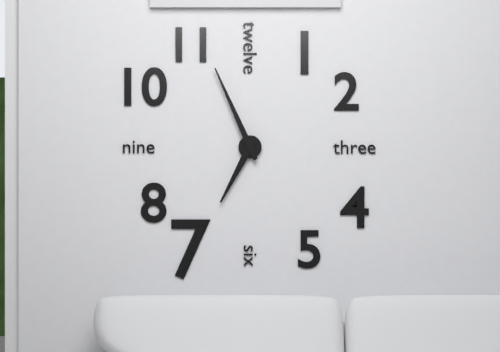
6 h 56 min
